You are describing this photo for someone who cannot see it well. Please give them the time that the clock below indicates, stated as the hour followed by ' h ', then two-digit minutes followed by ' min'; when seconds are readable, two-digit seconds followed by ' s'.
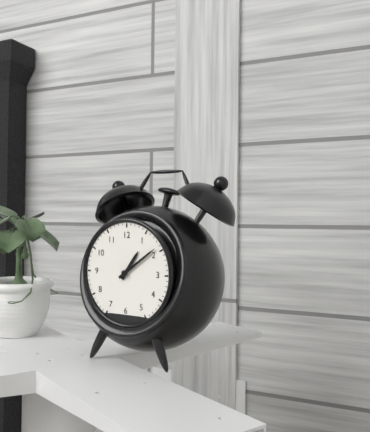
1 h 09 min
